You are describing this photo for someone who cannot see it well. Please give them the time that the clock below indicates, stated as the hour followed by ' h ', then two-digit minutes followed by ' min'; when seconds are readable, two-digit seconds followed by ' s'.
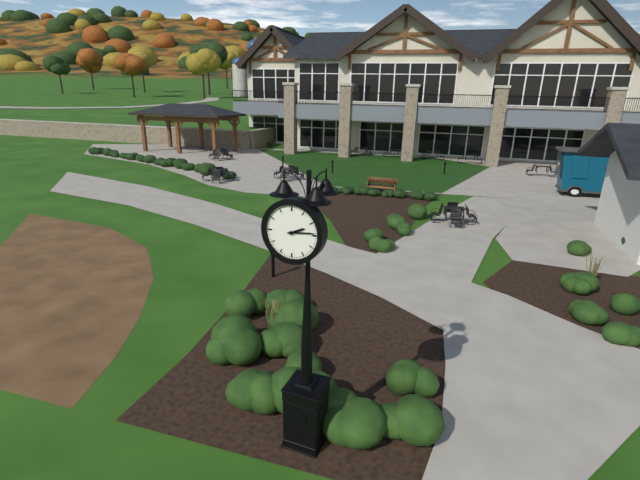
2 h 14 min
